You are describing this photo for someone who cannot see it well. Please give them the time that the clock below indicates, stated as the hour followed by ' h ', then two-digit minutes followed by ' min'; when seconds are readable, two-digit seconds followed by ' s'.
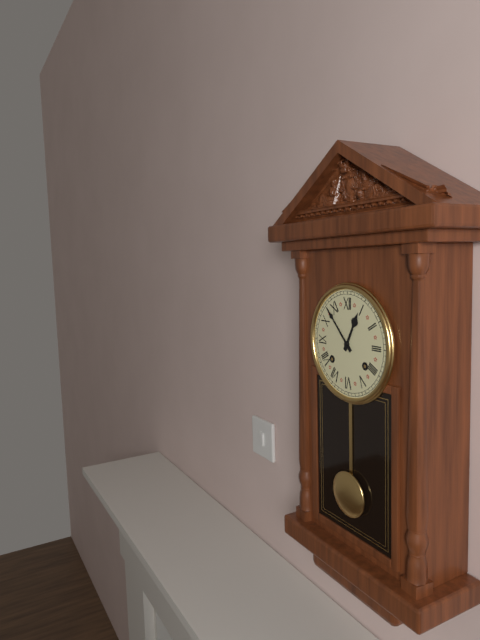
12 h 53 min
